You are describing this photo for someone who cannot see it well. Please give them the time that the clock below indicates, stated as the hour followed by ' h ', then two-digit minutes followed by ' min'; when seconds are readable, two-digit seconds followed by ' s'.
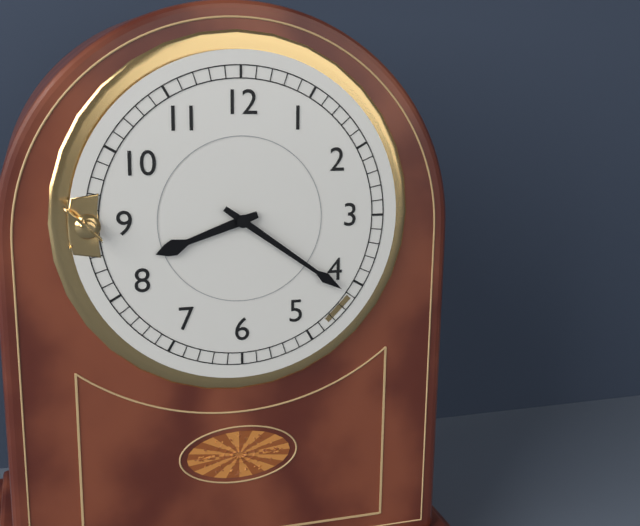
8 h 21 min
